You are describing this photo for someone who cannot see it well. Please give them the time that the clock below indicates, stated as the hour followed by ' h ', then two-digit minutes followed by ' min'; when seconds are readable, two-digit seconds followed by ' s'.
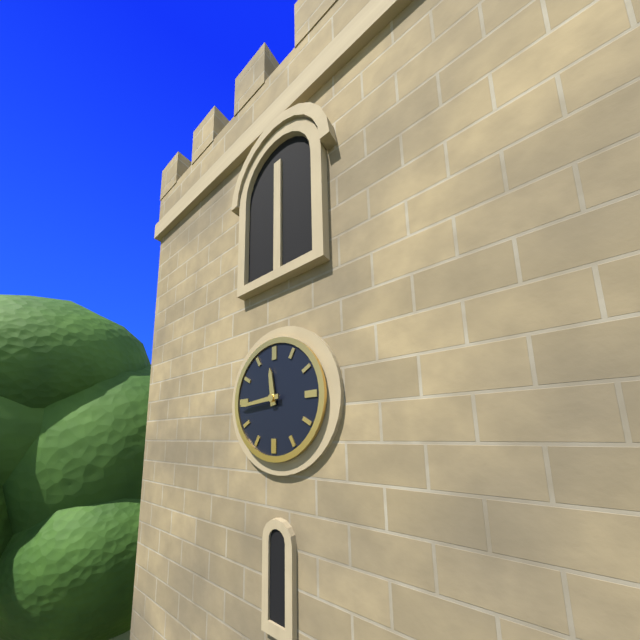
11 h 44 min
